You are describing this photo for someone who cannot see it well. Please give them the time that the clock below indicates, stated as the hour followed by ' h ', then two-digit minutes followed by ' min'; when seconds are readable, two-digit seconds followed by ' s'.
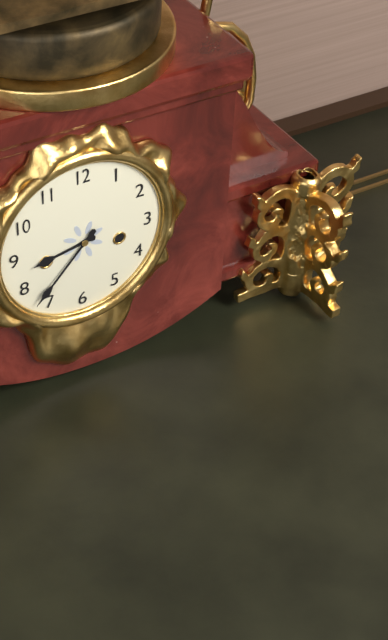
8 h 37 min
